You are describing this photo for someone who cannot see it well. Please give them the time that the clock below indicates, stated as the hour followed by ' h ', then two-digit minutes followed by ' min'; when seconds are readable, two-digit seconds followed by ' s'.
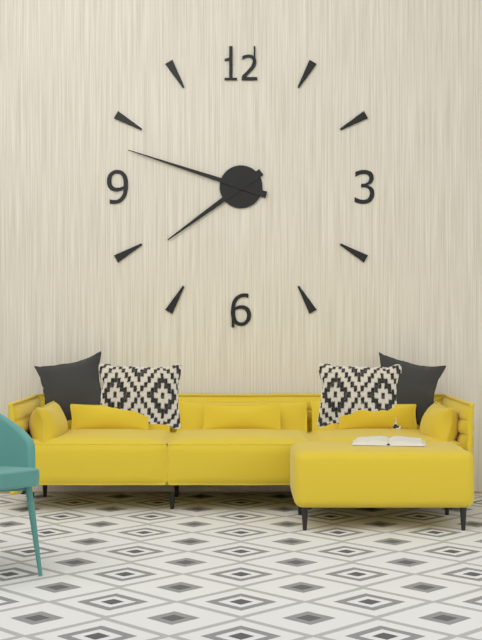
7 h 48 min
